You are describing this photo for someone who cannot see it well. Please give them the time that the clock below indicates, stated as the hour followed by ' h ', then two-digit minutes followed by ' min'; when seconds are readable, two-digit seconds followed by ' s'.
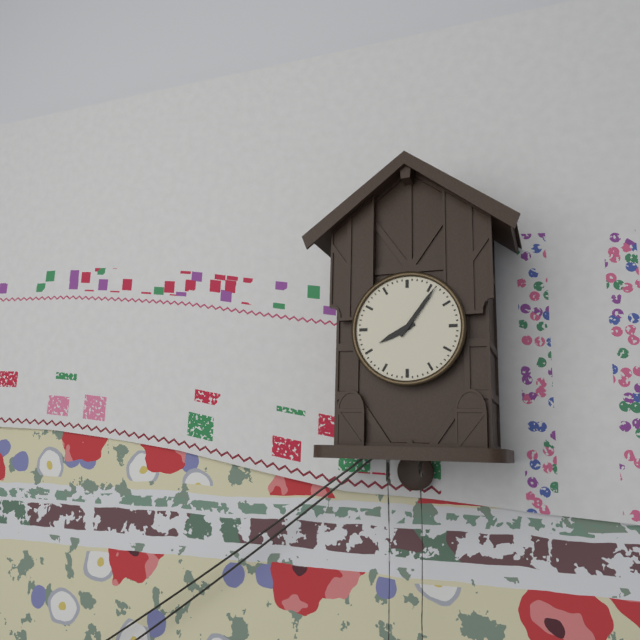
8 h 06 min
